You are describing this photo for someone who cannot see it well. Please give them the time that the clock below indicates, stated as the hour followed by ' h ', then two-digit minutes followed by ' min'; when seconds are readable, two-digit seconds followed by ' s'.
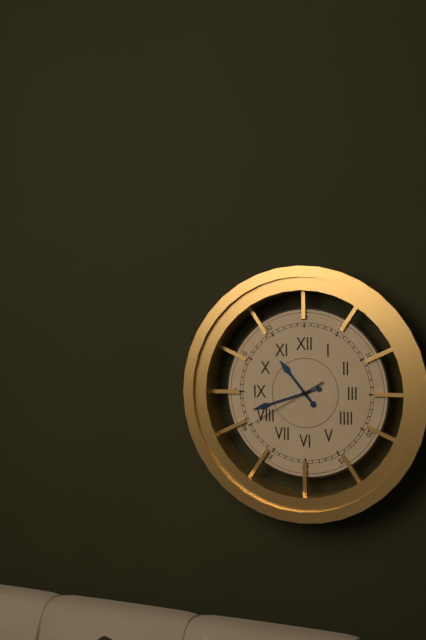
10 h 42 min 40 s
